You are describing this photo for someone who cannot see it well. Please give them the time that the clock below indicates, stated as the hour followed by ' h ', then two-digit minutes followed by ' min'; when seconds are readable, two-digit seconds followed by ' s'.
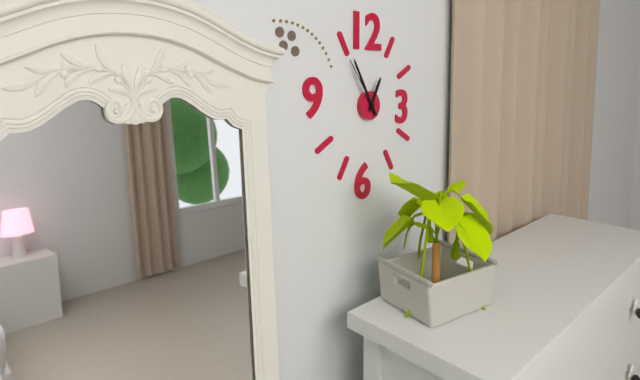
12 h 55 min 54 s
